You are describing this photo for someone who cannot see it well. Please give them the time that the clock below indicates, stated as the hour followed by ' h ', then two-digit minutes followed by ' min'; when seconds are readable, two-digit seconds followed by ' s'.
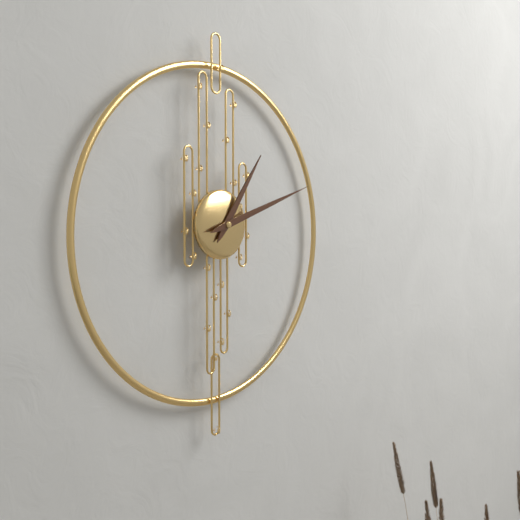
1 h 12 min
